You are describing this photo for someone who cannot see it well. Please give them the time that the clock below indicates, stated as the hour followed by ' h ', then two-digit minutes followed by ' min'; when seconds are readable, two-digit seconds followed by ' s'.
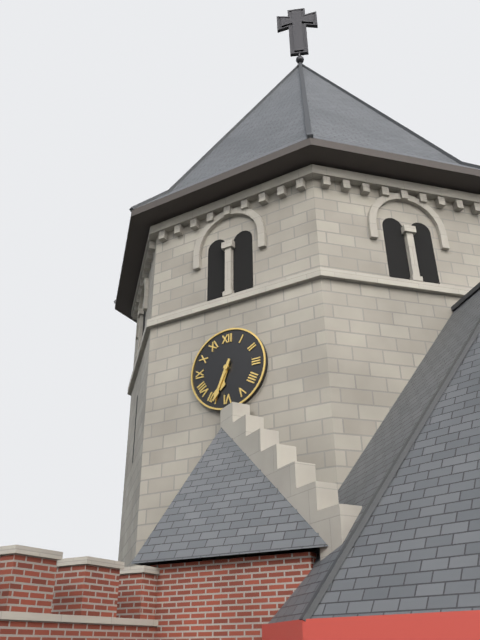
6 h 34 min
